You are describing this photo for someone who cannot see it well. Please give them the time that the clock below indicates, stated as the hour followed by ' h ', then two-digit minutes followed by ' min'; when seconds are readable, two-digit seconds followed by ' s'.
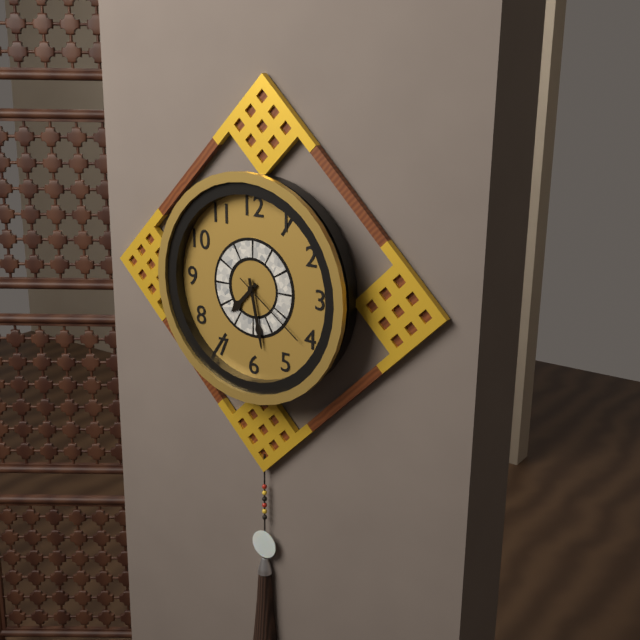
7 h 28 min 21 s
